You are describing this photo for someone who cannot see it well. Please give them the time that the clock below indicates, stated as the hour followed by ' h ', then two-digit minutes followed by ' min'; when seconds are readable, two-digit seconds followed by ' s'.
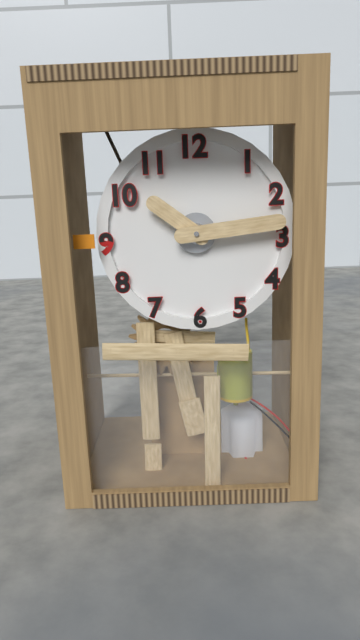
10 h 14 min
